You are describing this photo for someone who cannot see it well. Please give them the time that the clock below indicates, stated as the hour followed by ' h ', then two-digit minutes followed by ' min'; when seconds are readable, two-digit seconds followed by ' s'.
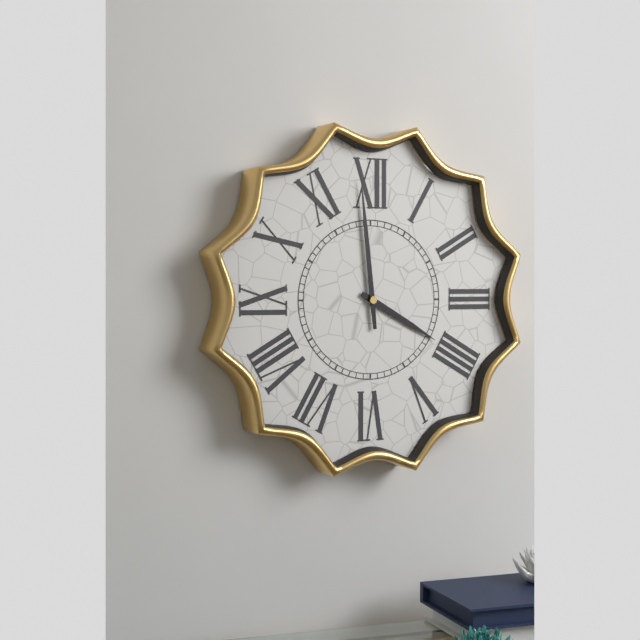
3 h 59 min
